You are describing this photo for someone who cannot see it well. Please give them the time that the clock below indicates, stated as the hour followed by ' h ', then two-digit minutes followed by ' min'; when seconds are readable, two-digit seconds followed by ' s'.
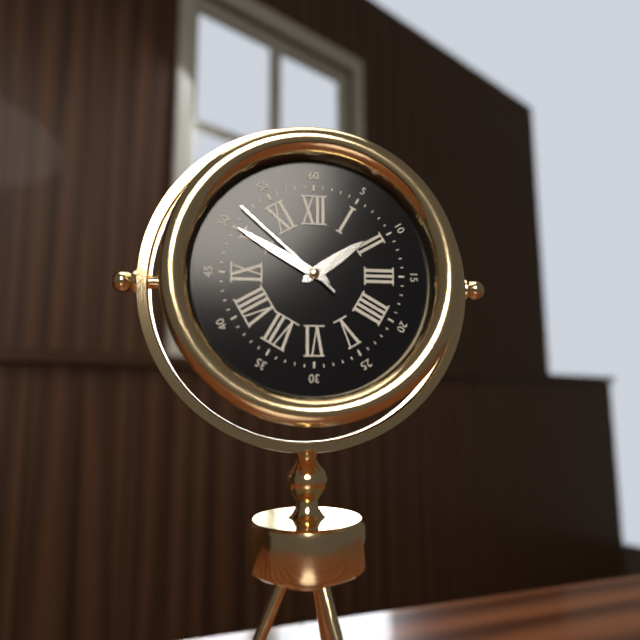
1 h 50 min 52 s
